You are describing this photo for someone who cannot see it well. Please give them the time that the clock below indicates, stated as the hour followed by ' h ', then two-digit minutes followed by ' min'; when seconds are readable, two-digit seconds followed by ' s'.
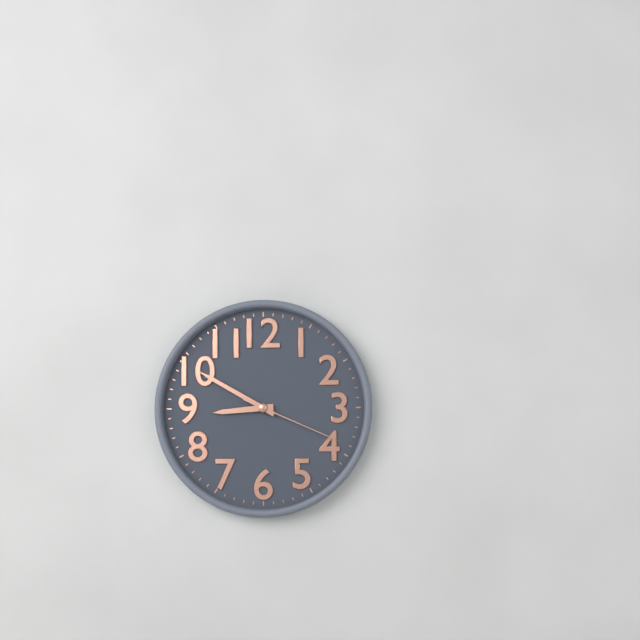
8 h 50 min 19 s
